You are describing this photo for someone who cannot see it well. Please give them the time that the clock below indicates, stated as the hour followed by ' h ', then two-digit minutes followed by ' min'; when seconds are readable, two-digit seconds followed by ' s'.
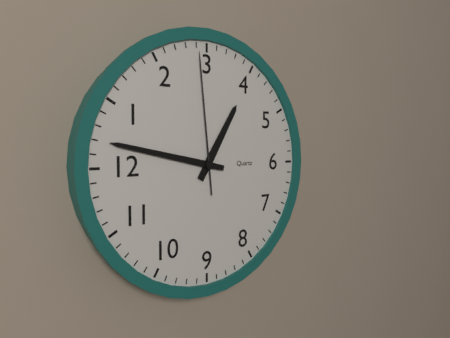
4 h 02 min 14 s
